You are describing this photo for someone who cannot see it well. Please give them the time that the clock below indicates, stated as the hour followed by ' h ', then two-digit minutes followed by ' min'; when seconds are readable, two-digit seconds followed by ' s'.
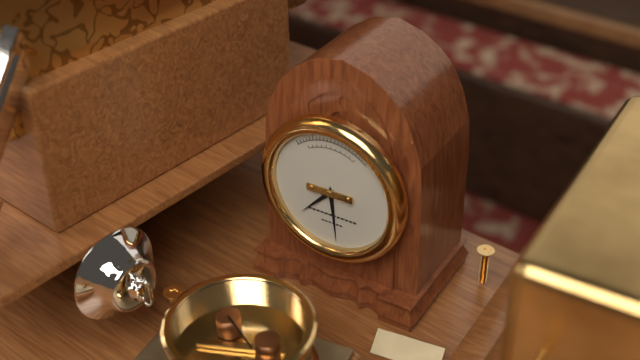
7 h 29 min
